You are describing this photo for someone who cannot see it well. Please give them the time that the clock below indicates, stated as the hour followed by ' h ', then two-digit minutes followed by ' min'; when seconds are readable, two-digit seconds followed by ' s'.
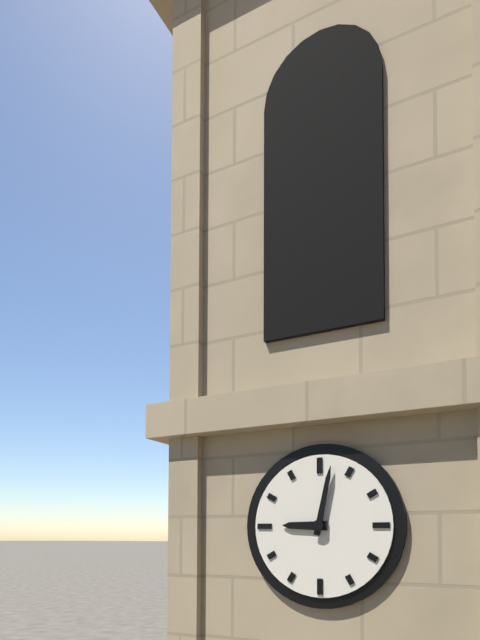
9 h 02 min
